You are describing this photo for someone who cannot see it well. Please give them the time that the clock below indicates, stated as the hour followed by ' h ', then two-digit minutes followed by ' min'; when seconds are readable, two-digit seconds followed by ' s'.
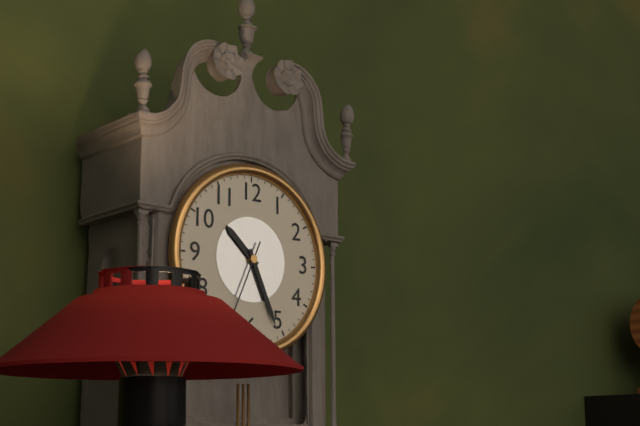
10 h 26 min 34 s
